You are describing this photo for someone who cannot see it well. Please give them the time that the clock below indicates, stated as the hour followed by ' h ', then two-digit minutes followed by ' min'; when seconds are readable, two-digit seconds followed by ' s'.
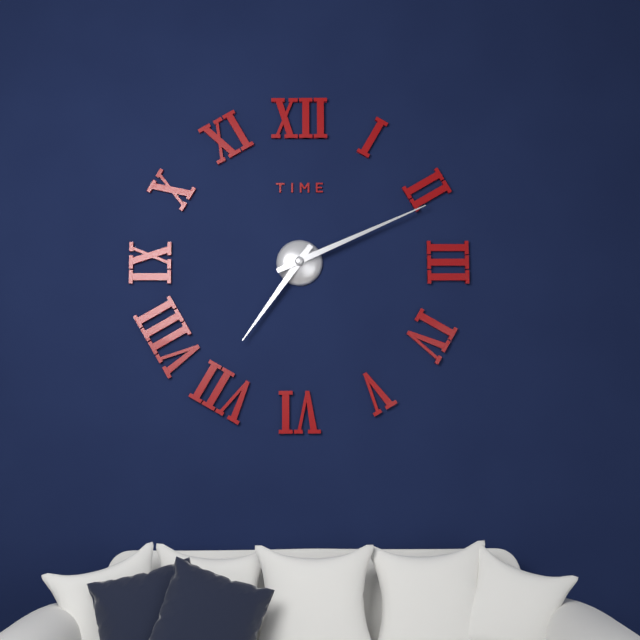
7 h 11 min
